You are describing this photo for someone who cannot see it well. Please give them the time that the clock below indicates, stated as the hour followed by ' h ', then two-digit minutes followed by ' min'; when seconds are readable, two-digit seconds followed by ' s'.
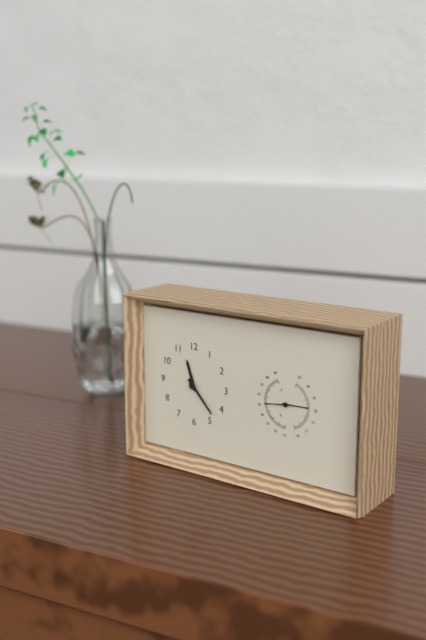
11 h 23 min
